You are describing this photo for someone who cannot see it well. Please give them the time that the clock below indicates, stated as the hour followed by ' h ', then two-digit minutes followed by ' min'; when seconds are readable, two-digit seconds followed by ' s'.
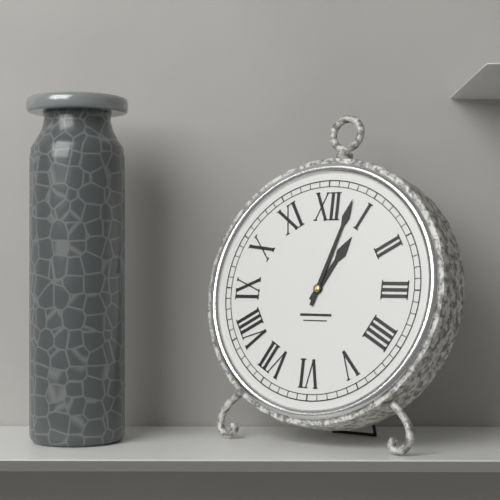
1 h 03 min
